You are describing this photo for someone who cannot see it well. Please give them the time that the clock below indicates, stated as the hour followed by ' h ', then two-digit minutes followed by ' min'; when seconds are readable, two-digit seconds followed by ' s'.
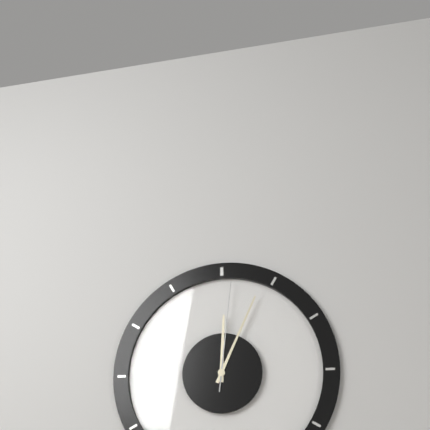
12 h 04 min 01 s
